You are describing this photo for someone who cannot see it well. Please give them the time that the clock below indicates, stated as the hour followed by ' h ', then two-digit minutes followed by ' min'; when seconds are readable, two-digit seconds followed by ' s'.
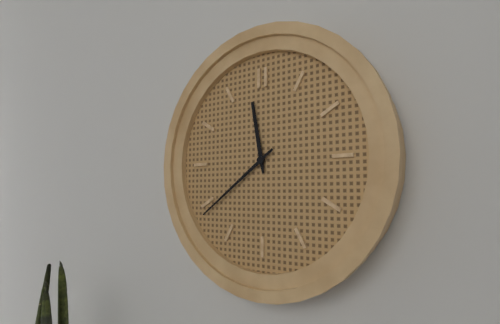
11 h 39 min
